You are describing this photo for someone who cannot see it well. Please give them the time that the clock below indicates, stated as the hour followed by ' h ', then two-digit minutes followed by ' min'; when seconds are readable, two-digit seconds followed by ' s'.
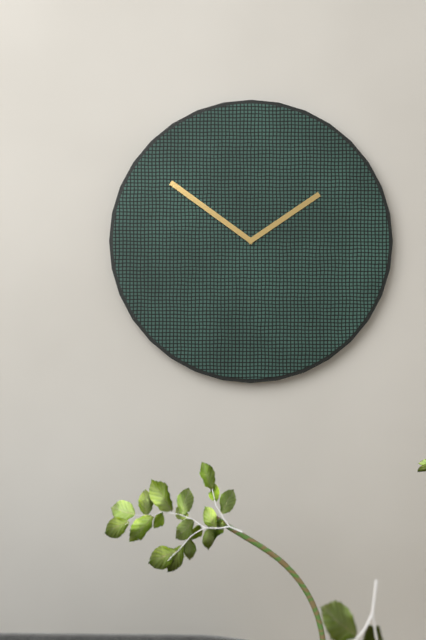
1 h 51 min
